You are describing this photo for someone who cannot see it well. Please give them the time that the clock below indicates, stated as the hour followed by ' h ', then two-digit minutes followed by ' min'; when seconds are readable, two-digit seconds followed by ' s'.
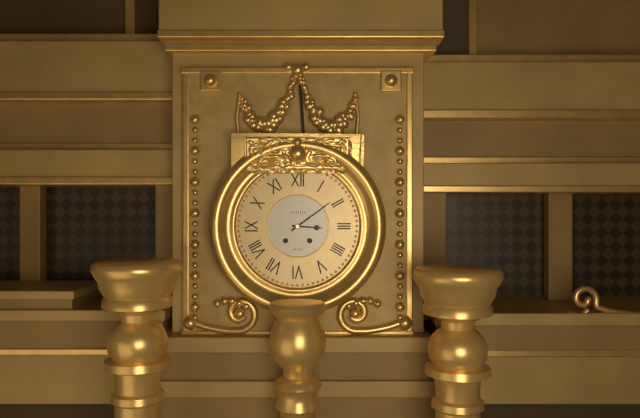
3 h 09 min
